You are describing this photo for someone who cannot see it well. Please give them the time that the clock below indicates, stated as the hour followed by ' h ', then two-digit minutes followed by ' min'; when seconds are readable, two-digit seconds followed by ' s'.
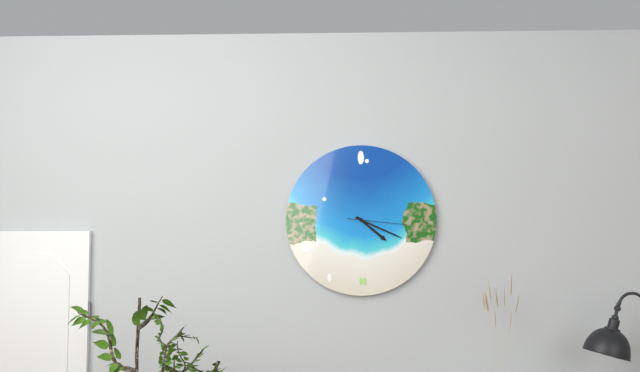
4 h 19 min 16 s
